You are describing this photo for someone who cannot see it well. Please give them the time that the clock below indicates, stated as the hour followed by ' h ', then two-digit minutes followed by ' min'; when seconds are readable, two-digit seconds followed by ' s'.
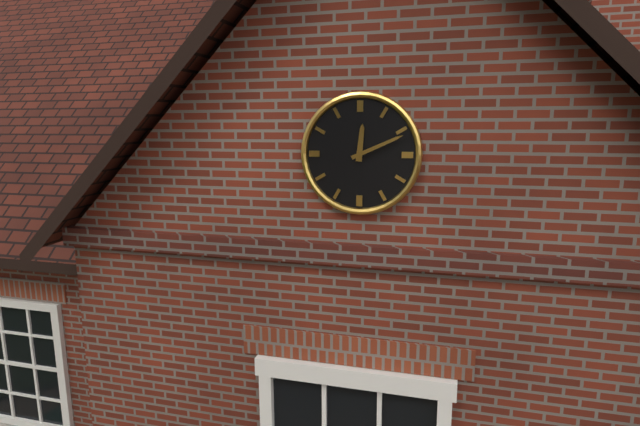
12 h 11 min
